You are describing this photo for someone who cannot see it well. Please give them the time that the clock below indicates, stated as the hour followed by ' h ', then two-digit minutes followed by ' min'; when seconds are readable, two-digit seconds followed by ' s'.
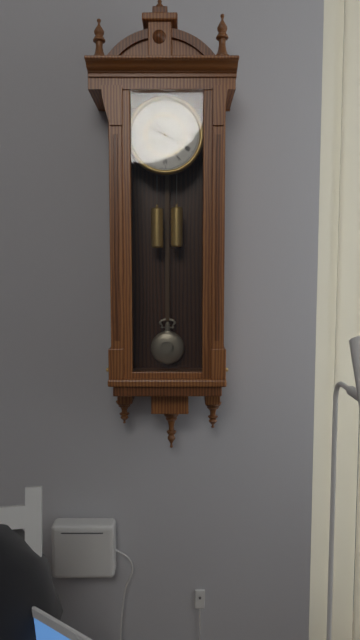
9 h 54 min
